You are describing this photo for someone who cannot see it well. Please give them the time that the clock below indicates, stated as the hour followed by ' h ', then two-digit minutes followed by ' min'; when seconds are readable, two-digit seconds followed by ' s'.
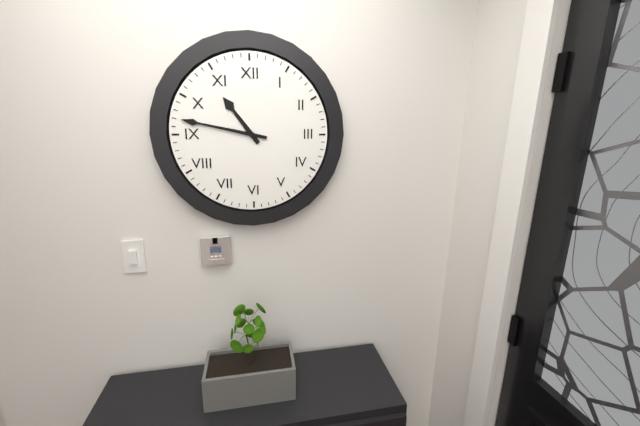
10 h 47 min
